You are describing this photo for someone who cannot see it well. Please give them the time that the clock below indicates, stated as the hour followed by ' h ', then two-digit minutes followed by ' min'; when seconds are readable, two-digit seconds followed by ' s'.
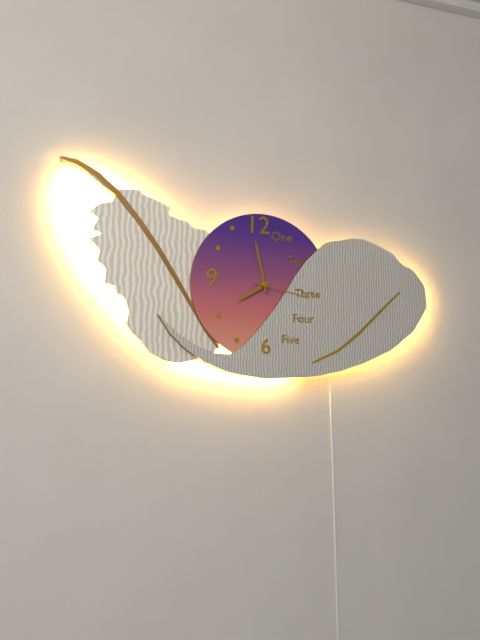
7 h 58 min 17 s
